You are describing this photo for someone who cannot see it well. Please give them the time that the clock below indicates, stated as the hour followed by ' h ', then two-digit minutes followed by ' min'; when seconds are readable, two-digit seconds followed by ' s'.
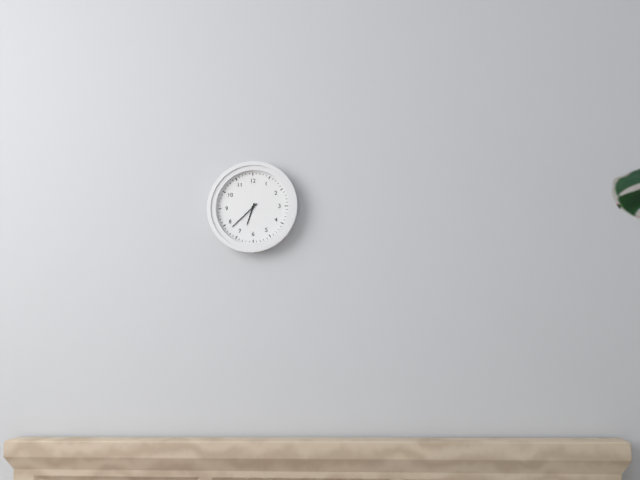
6 h 38 min
